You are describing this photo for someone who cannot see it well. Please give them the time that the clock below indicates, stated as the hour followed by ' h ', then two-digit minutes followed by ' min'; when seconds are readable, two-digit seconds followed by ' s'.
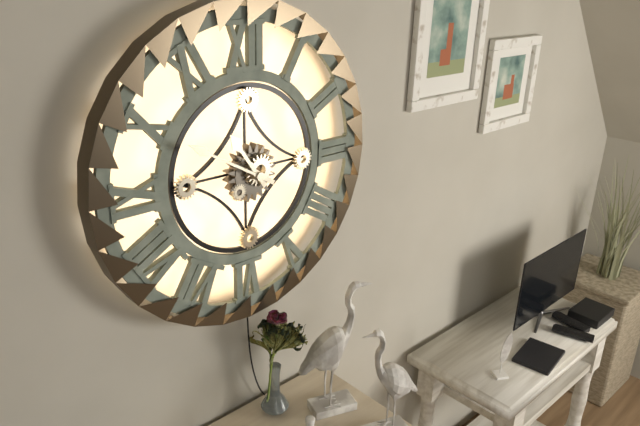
10 h 50 min
